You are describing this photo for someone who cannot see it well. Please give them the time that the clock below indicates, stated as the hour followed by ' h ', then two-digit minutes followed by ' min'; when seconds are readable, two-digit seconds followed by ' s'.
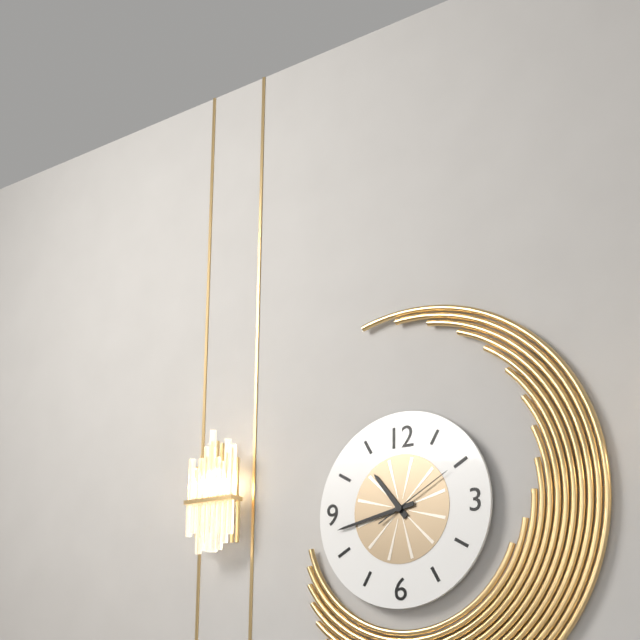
10 h 43 min 10 s
